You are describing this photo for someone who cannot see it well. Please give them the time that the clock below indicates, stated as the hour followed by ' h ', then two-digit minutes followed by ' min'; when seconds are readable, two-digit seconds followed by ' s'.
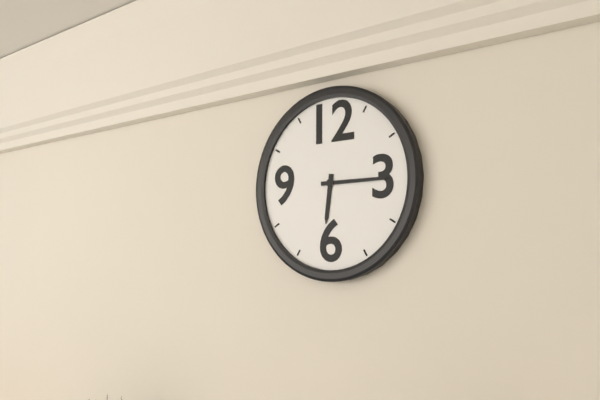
6 h 15 min
